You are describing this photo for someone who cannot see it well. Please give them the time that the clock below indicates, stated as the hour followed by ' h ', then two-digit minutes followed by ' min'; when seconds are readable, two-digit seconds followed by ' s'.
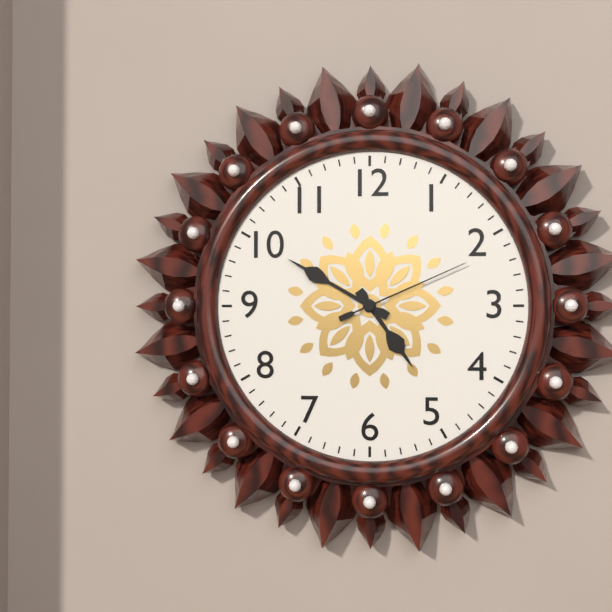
4 h 50 min 11 s
